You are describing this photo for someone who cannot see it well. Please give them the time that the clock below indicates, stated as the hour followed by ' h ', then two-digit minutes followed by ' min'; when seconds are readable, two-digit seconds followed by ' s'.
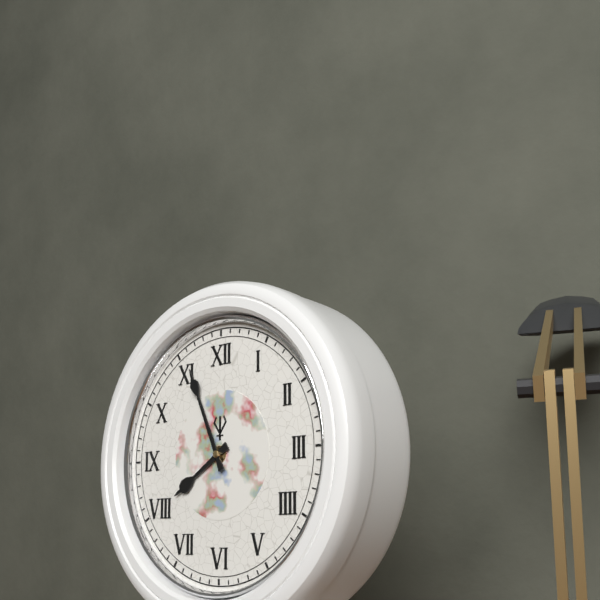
7 h 56 min
